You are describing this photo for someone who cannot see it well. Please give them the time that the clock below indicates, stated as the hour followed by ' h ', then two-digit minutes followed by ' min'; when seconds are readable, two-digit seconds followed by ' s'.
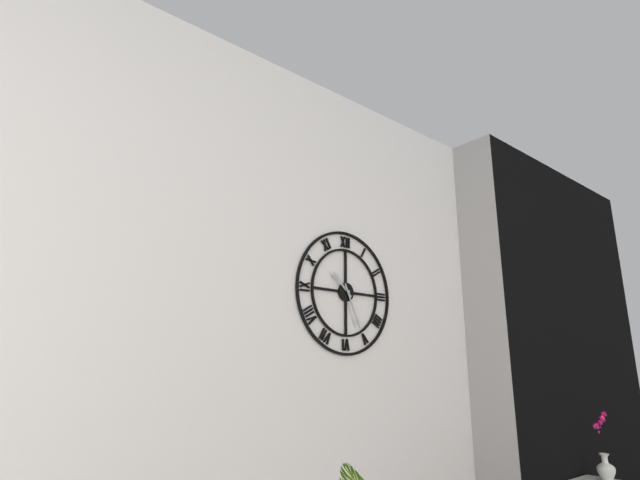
10 h 26 min
